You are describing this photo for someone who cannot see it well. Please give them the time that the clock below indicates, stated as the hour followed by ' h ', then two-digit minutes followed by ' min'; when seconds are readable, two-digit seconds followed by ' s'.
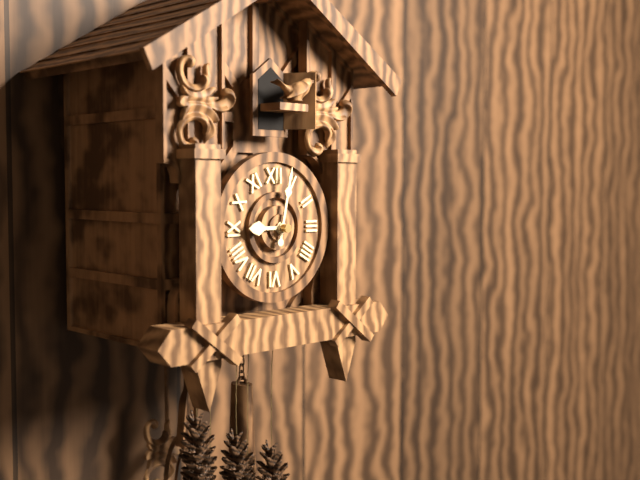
9 h 02 min
